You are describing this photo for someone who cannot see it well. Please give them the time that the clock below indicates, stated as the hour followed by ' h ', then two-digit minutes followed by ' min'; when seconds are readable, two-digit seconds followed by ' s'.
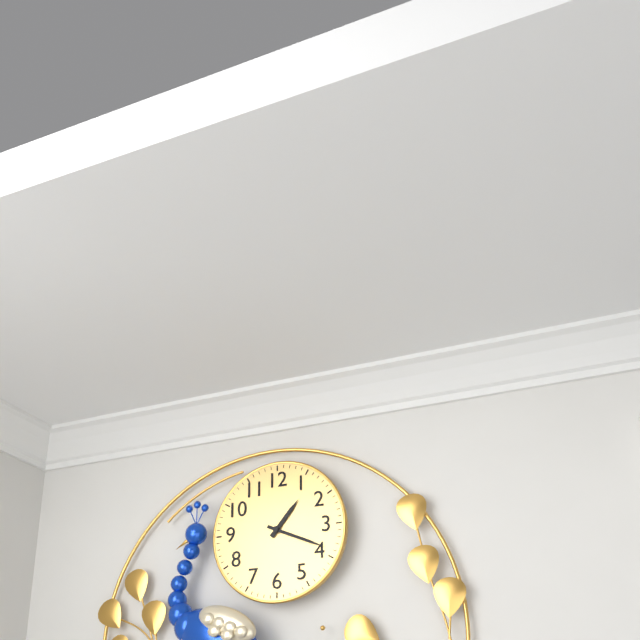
1 h 19 min
